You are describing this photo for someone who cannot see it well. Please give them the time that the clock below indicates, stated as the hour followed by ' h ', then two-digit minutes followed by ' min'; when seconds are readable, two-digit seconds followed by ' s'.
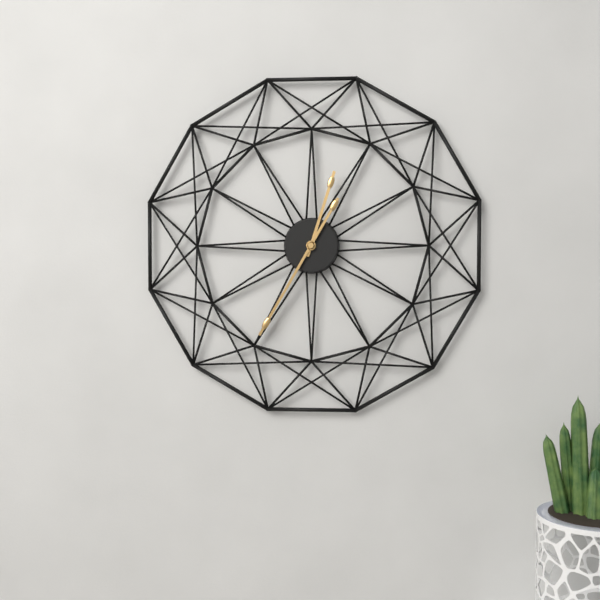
12 h 35 min
